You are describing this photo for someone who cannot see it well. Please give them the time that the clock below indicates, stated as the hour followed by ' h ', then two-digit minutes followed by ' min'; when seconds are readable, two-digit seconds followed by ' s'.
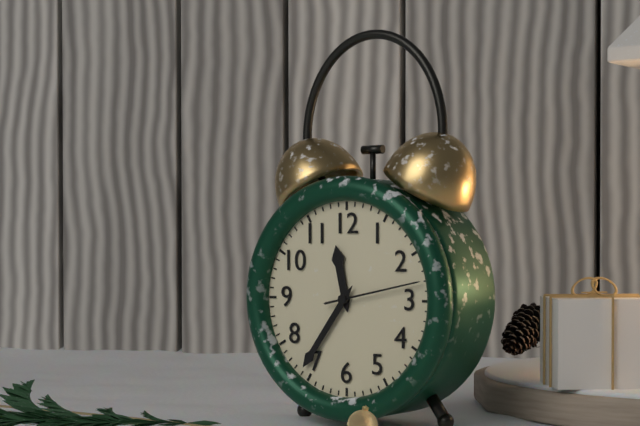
11 h 36 min 13 s
